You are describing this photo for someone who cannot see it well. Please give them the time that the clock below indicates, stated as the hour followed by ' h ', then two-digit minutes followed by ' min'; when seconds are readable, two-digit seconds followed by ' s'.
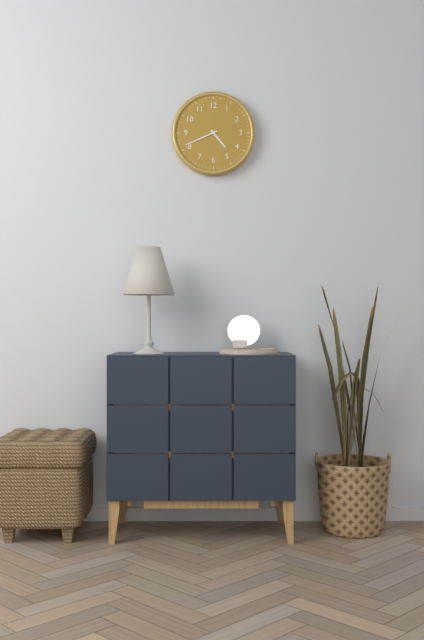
4 h 41 min
